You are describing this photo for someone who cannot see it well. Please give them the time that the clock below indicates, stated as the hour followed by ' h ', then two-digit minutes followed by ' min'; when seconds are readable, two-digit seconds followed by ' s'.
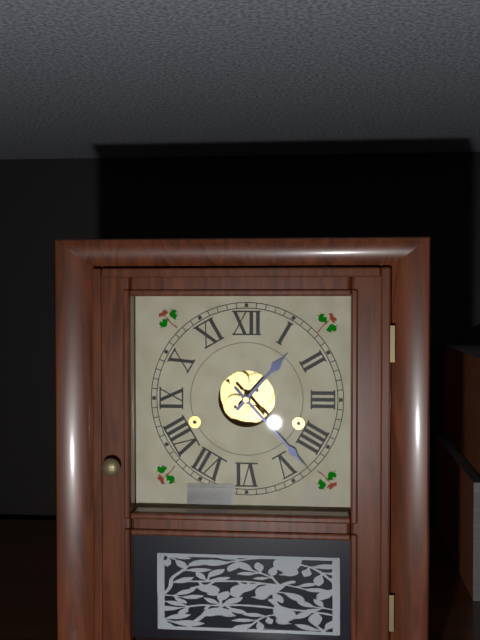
1 h 23 min
